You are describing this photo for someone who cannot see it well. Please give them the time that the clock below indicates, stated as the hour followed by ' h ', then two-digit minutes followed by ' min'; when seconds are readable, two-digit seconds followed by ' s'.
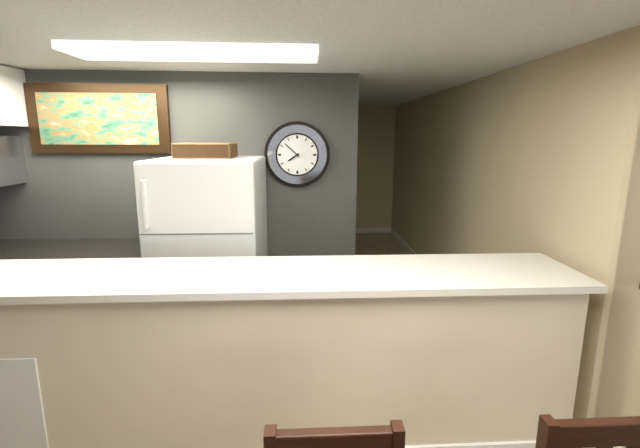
7 h 52 min
